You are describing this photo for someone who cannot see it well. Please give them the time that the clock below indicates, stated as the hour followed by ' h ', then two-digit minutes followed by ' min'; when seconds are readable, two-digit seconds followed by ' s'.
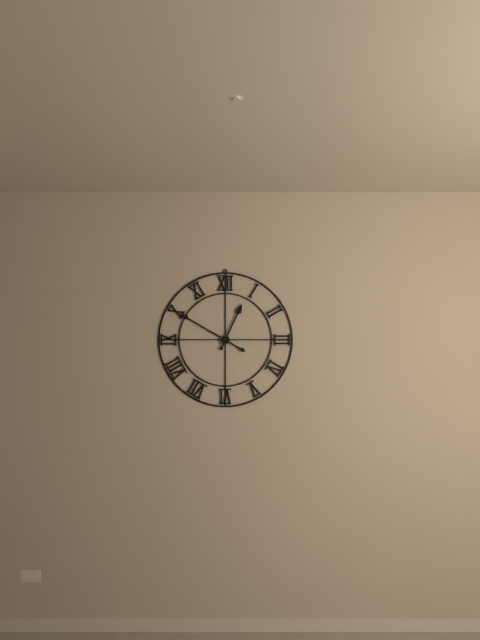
12 h 50 min
